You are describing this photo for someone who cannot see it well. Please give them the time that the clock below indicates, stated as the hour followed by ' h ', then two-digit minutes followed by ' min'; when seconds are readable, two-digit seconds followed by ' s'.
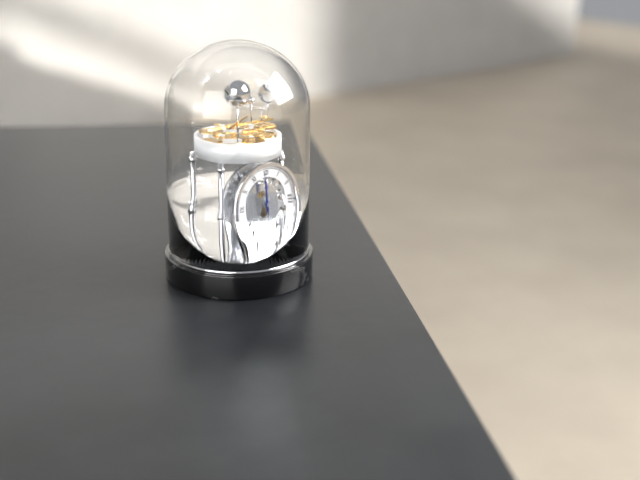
11 h 59 min
